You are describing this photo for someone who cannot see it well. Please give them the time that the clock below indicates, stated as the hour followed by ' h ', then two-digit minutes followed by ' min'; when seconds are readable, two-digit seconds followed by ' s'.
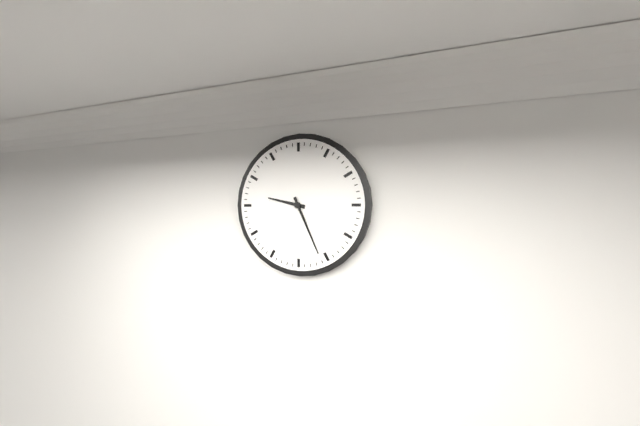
9 h 26 min
